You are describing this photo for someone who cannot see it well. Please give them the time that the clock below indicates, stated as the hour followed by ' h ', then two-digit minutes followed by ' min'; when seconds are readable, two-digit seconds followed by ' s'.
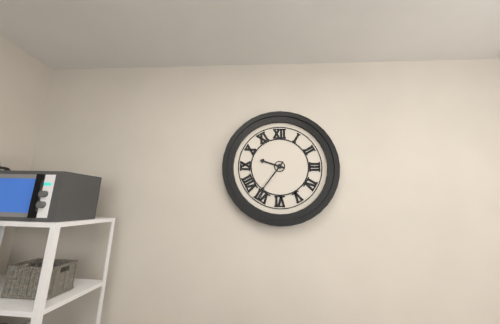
9 h 36 min
